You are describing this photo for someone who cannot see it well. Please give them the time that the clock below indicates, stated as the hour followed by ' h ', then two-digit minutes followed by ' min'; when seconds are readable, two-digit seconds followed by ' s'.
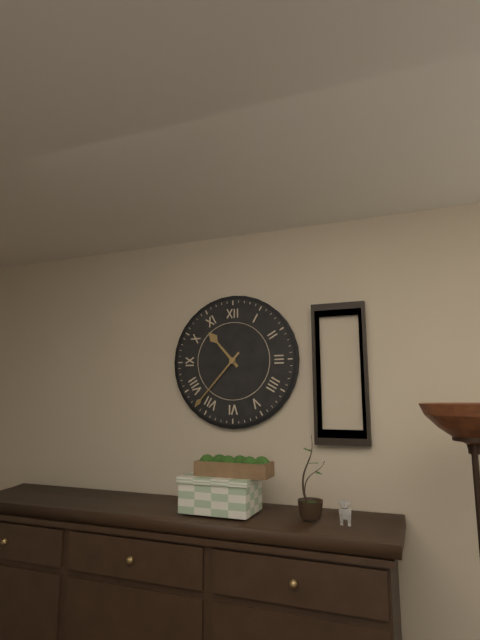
10 h 37 min
